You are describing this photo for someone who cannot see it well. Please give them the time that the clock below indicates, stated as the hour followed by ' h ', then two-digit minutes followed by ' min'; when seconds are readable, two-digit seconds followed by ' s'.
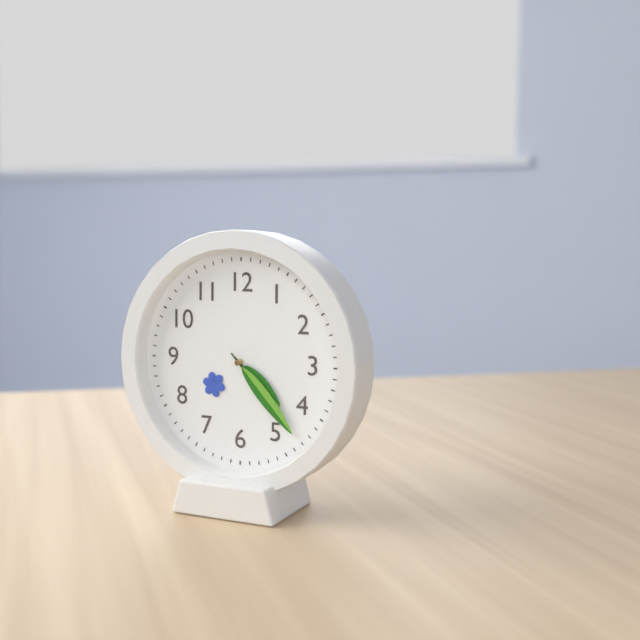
4 h 23 min
